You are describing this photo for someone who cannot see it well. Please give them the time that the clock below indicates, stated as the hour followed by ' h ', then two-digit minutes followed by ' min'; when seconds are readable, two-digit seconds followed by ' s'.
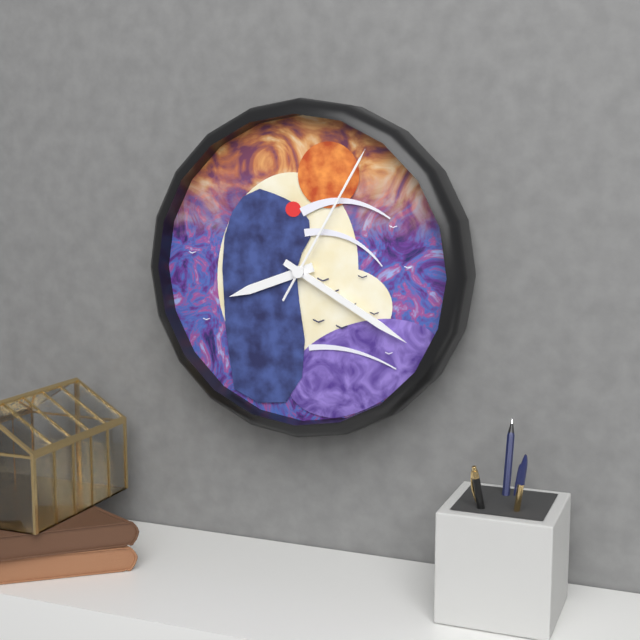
8 h 20 min 05 s
